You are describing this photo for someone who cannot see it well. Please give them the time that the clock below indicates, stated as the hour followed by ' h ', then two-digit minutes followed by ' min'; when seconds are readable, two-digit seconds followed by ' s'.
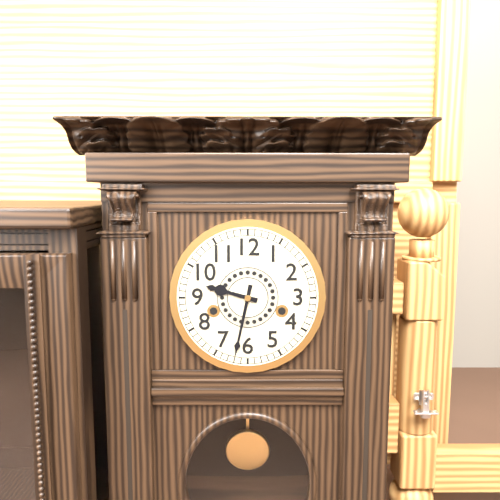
9 h 32 min
